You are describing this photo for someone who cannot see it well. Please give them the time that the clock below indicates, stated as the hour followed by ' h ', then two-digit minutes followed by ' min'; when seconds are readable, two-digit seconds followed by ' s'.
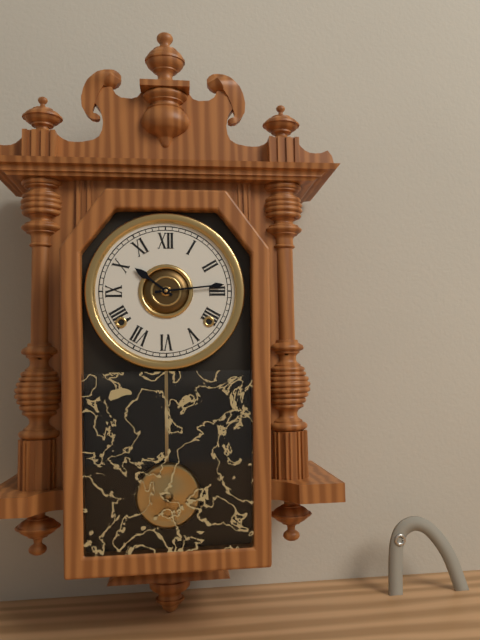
10 h 14 min
